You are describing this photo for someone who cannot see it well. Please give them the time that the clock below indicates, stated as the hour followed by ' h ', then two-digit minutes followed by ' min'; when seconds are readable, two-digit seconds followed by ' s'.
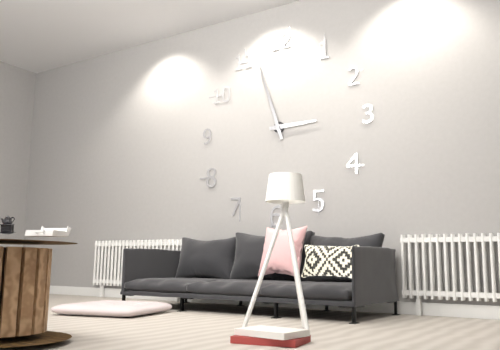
2 h 57 min
